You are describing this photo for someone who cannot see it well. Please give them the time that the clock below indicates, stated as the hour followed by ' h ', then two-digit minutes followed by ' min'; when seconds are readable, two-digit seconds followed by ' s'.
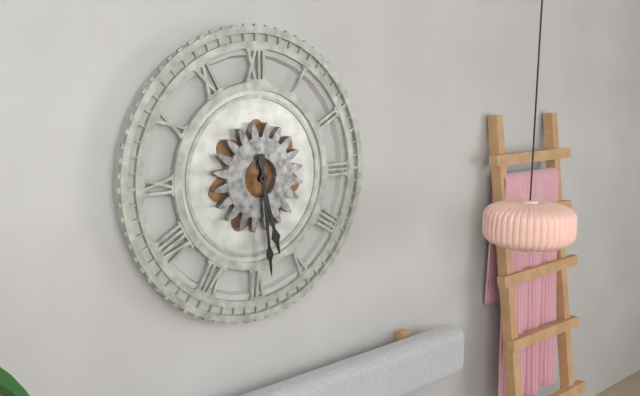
5 h 29 min
